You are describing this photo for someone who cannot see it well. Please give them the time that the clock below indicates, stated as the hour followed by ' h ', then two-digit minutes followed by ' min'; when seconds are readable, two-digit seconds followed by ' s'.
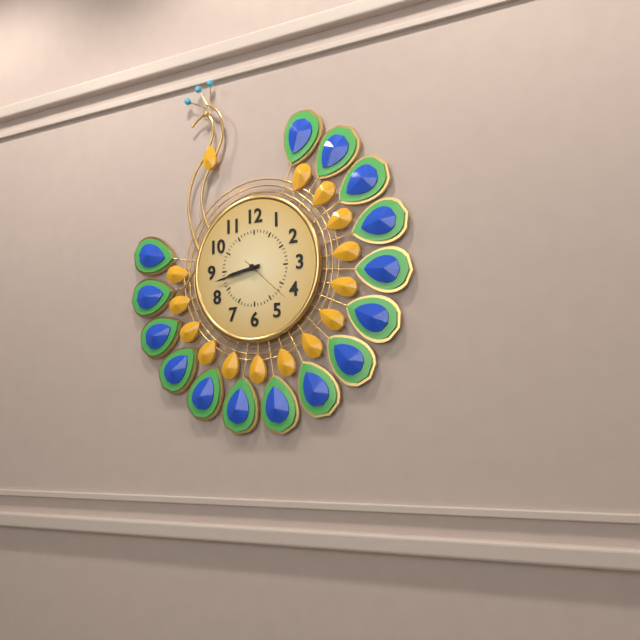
8 h 43 min 22 s
